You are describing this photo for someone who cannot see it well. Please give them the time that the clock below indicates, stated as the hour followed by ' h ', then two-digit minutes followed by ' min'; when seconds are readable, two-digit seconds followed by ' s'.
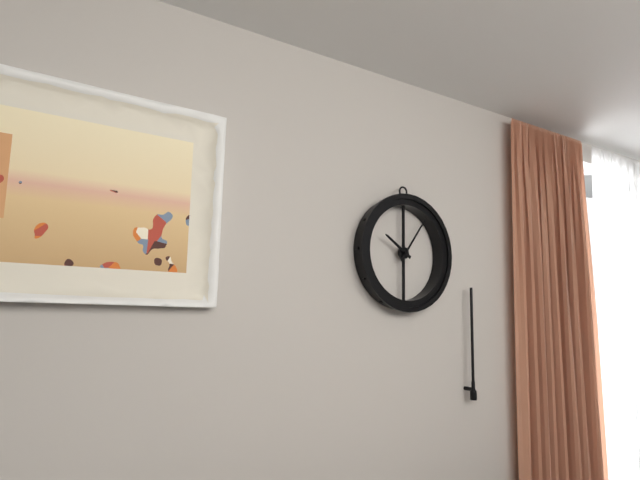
10 h 06 min
